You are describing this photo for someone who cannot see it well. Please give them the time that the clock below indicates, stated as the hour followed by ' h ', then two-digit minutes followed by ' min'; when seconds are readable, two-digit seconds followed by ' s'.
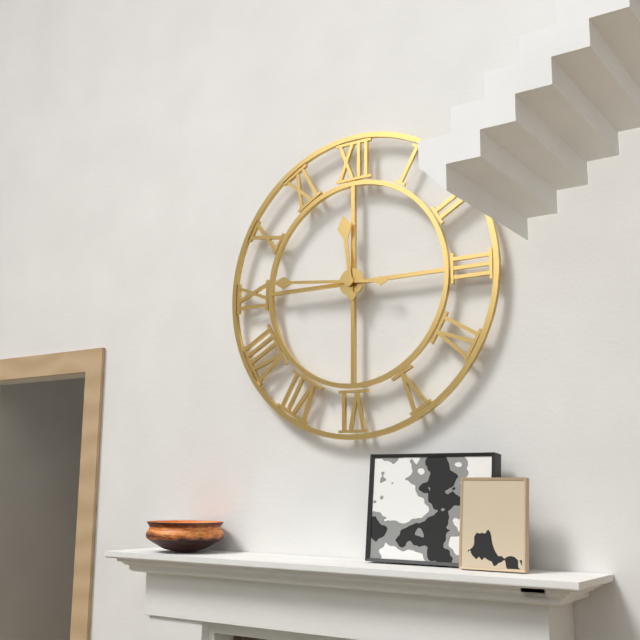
11 h 46 min
